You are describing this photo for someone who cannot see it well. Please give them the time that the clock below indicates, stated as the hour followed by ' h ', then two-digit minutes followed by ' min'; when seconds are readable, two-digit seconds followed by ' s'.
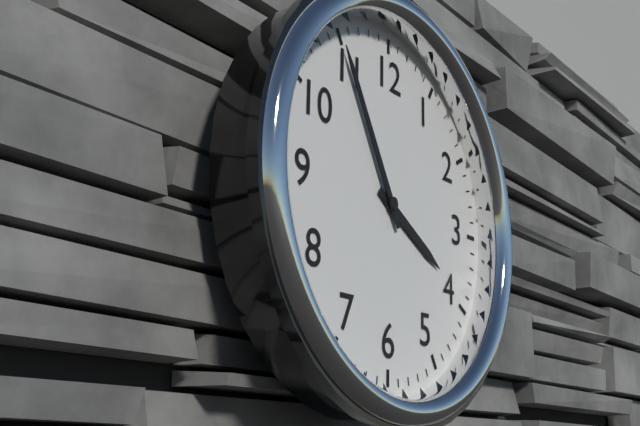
3 h 55 min
